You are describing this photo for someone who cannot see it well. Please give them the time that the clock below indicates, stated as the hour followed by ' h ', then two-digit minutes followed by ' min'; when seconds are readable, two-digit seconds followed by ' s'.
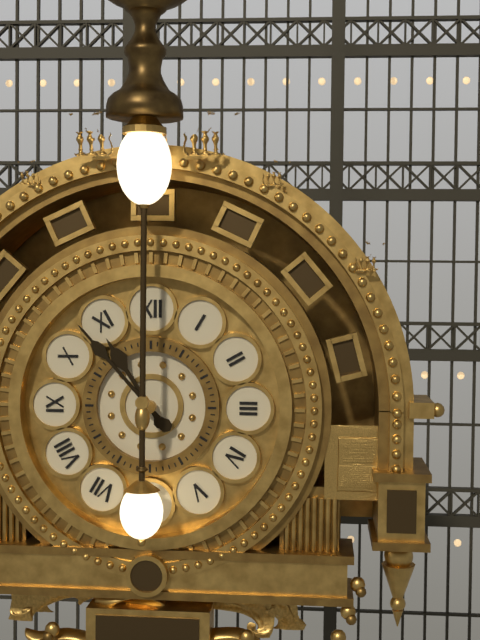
10 h 53 min
